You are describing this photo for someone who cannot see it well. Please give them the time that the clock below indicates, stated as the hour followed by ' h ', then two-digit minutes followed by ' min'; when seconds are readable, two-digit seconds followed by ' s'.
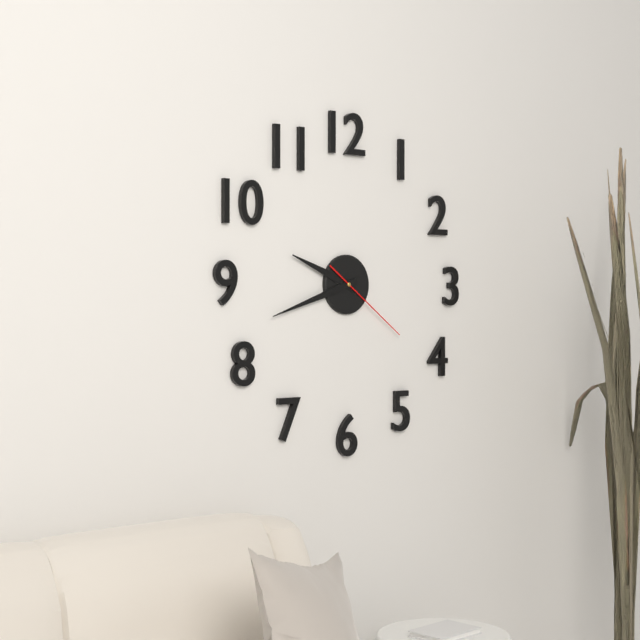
9 h 42 min 21 s
